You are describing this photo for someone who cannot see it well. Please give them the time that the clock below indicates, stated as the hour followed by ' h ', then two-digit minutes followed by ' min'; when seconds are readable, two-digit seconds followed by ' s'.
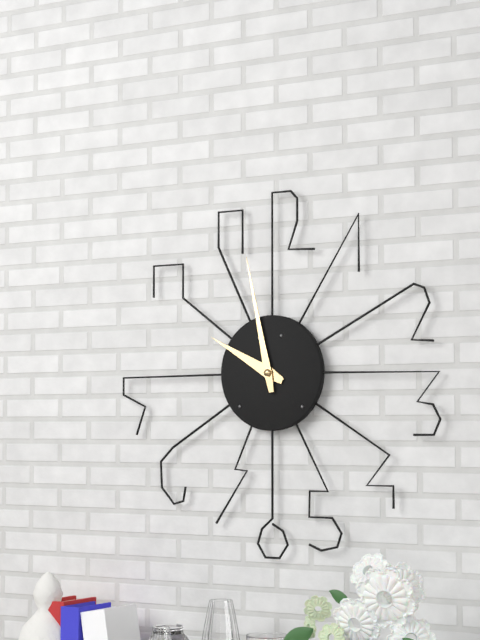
9 h 58 min
